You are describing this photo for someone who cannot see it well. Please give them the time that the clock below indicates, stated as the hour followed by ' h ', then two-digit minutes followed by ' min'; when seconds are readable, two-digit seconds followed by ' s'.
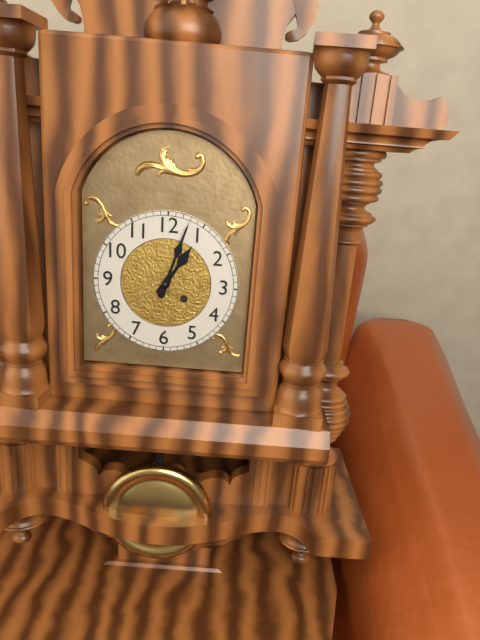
1 h 03 min
